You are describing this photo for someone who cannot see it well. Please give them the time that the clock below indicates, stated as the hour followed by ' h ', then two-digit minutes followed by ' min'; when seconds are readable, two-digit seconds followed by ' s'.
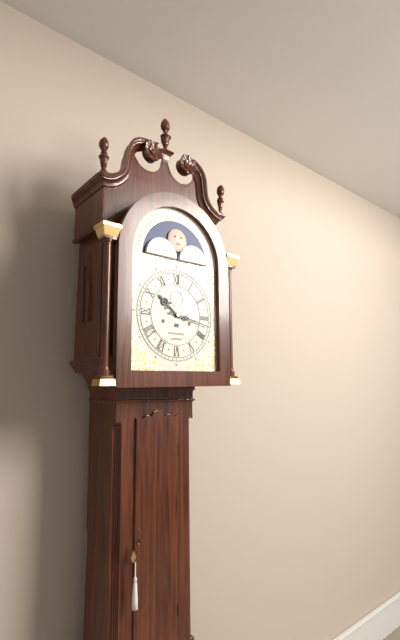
10 h 17 min
